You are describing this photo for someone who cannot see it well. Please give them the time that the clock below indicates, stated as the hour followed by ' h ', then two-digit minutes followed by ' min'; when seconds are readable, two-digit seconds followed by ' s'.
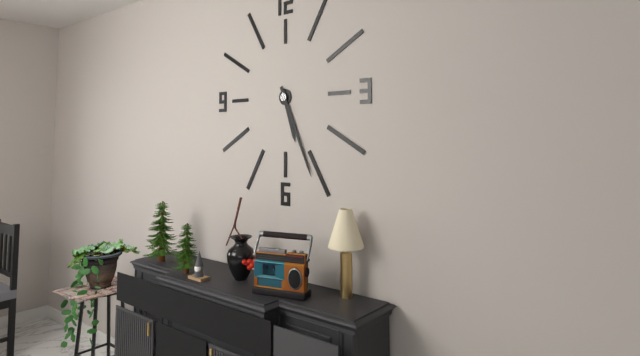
5 h 26 min
